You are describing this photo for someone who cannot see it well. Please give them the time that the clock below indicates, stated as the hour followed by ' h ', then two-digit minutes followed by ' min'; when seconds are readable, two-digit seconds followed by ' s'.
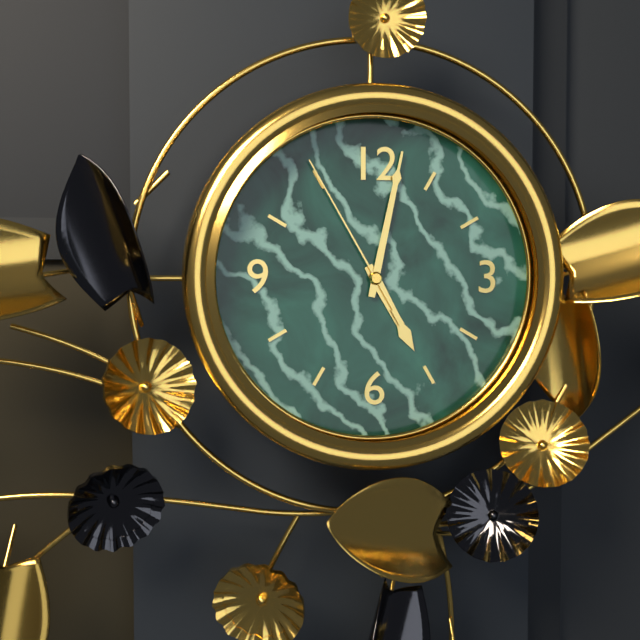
5 h 02 min 55 s
